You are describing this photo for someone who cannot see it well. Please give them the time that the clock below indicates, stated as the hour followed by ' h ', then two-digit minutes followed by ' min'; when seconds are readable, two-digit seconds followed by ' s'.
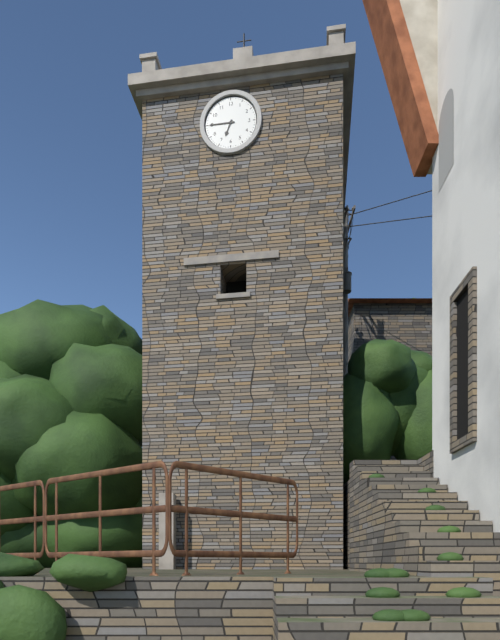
6 h 45 min
